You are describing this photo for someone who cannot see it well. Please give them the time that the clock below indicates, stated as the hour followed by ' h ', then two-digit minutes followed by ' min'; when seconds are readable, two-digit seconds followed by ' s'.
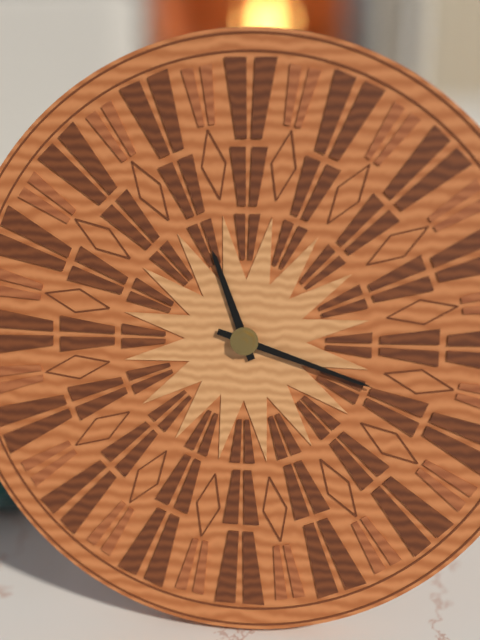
11 h 18 min
